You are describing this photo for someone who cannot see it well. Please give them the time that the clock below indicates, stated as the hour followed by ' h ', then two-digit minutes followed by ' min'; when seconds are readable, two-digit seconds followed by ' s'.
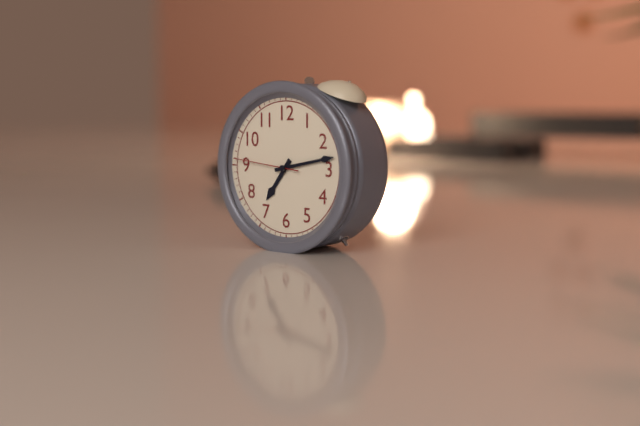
7 h 13 min 46 s
